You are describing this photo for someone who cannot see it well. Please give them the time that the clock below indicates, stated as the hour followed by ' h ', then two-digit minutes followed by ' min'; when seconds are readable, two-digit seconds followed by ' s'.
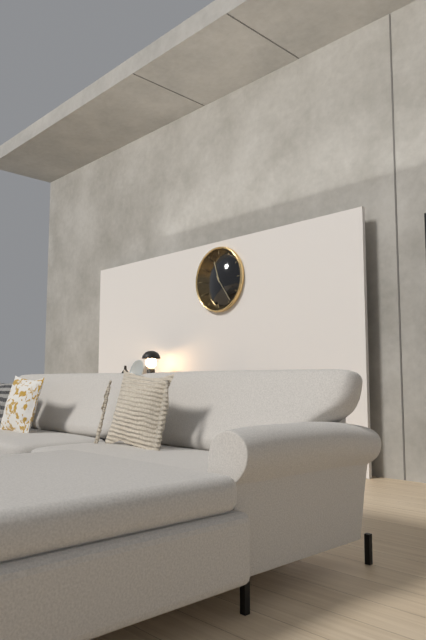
11 h 24 min
